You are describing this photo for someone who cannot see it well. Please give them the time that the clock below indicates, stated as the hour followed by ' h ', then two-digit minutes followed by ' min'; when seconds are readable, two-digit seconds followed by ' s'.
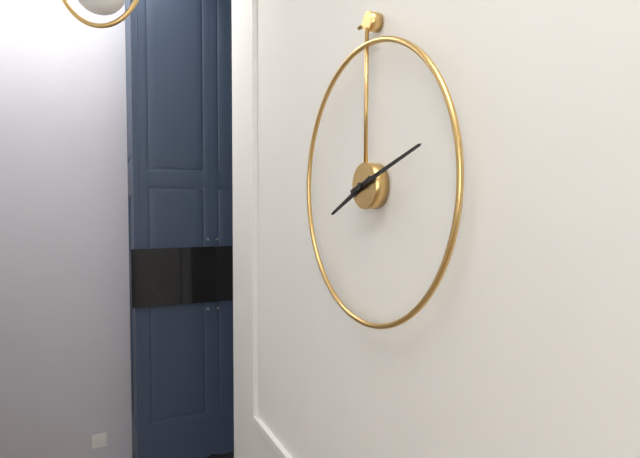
8 h 12 min
